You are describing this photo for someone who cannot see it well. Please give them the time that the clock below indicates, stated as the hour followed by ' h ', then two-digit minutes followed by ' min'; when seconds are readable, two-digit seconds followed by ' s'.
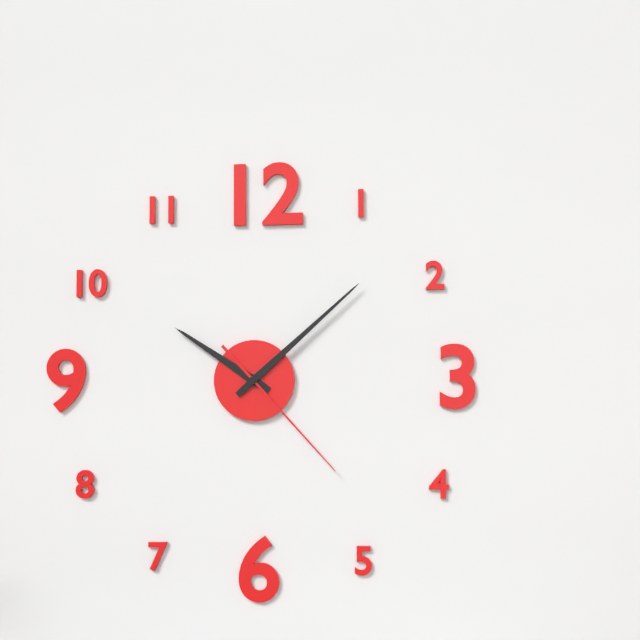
10 h 08 min 23 s
